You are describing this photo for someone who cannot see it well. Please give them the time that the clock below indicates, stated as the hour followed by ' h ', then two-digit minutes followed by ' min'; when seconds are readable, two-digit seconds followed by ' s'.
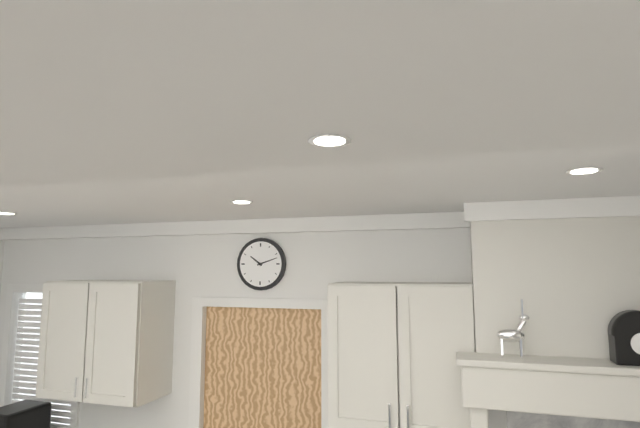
10 h 12 min
